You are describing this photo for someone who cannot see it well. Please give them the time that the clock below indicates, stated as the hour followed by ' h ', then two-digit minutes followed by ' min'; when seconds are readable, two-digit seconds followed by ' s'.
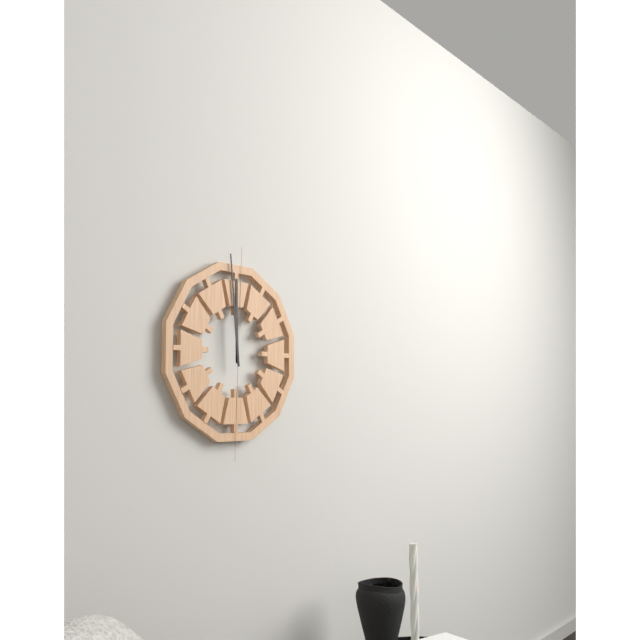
11 h 59 min
